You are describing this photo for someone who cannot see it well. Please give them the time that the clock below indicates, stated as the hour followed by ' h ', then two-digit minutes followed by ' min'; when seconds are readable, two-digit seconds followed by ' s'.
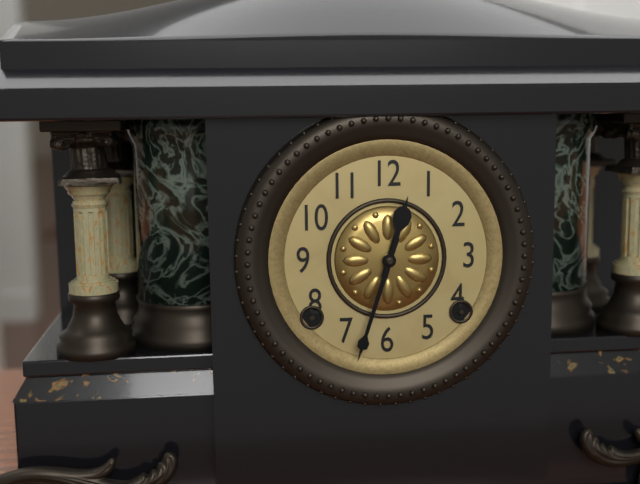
12 h 33 min
